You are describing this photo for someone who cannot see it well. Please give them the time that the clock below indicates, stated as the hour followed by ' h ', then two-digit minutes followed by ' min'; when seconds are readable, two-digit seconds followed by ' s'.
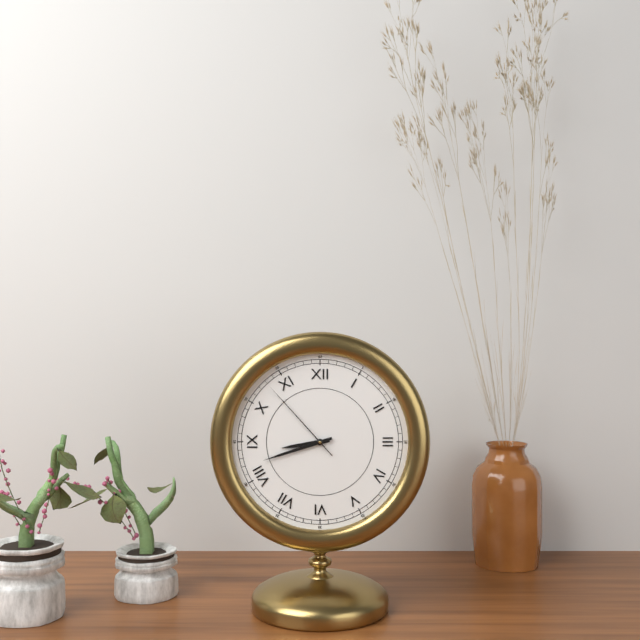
8 h 42 min 53 s
